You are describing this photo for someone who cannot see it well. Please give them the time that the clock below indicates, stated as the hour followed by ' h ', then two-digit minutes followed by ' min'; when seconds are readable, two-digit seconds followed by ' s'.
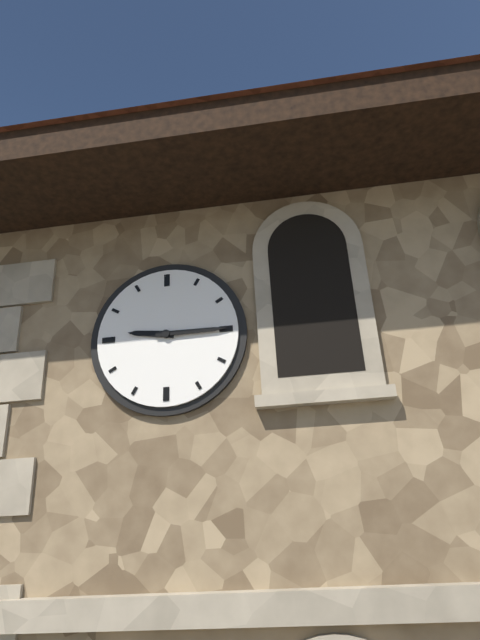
9 h 15 min
